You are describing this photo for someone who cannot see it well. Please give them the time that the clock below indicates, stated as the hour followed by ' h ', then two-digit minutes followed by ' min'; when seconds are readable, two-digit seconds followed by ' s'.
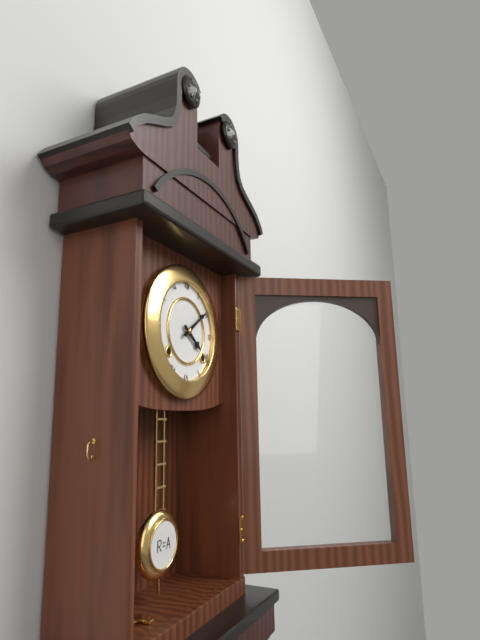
4 h 09 min
